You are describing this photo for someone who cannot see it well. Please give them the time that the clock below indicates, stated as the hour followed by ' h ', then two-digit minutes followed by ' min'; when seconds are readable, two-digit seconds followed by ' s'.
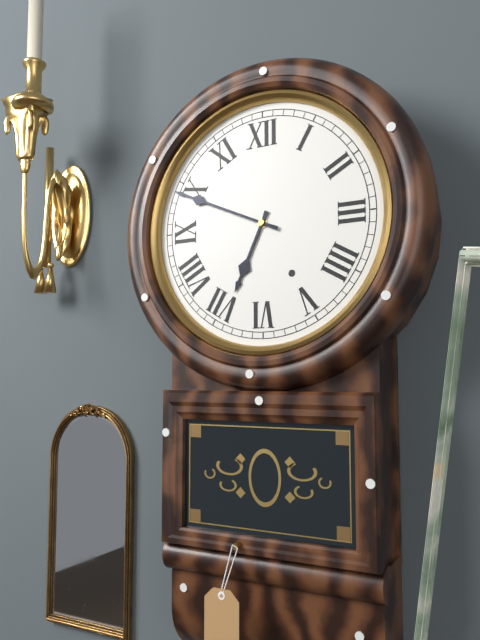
6 h 49 min
